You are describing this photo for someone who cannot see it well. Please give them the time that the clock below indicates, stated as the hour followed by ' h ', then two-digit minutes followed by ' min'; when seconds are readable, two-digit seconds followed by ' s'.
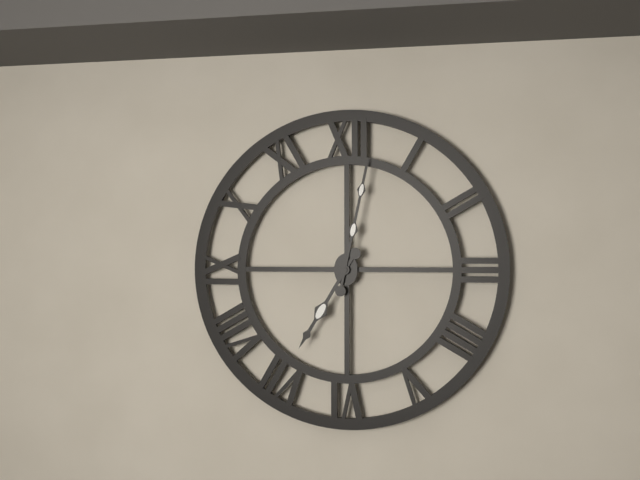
7 h 02 min
